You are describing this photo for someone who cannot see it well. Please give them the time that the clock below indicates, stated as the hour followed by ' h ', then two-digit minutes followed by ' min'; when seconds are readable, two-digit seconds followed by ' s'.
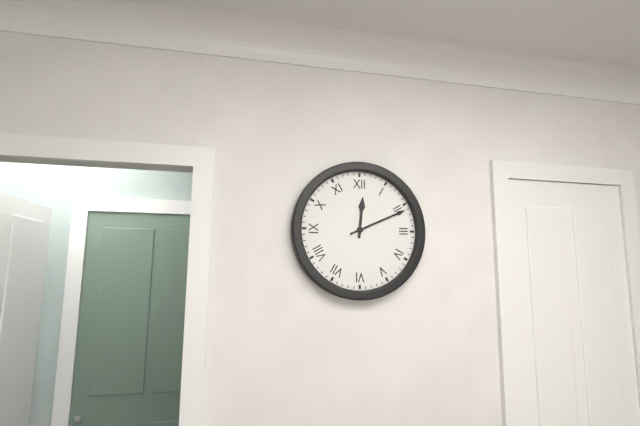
12 h 11 min
